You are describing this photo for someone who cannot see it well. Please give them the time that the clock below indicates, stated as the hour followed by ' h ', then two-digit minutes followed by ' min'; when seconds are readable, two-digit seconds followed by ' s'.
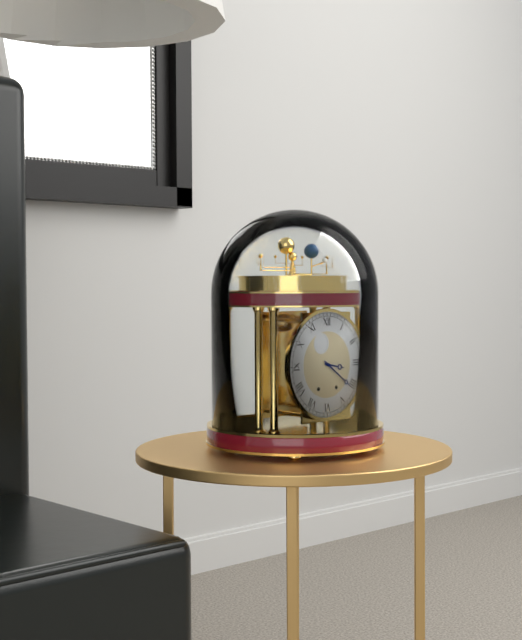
3 h 21 min
